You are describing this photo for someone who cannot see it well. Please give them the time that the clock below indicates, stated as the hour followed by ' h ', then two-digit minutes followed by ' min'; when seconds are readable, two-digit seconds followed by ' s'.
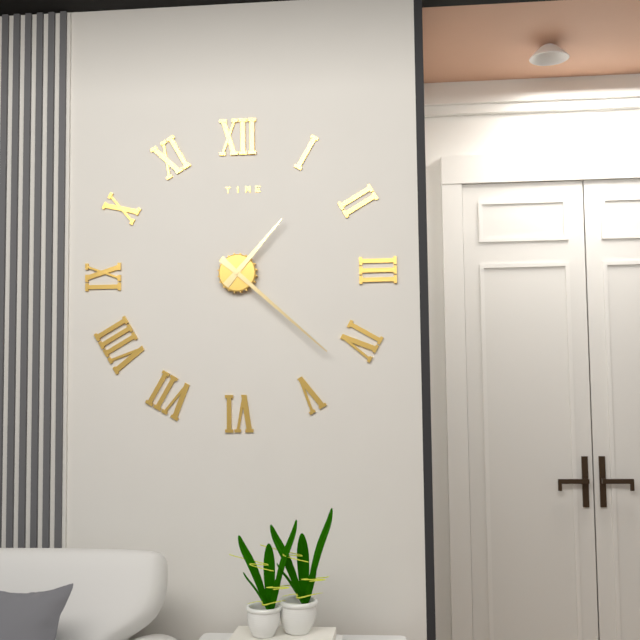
1 h 22 min
